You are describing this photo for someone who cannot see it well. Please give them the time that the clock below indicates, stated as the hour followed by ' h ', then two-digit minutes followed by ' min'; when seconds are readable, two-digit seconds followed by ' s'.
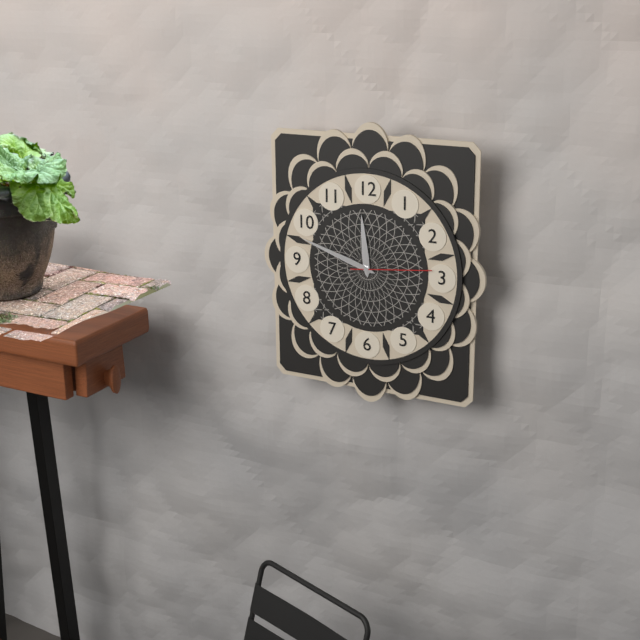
11 h 48 min 14 s
